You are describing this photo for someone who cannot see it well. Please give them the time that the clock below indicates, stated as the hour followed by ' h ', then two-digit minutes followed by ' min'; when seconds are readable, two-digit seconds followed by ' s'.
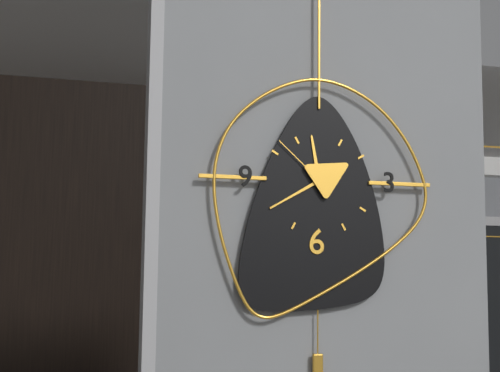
11 h 40 min 52 s
